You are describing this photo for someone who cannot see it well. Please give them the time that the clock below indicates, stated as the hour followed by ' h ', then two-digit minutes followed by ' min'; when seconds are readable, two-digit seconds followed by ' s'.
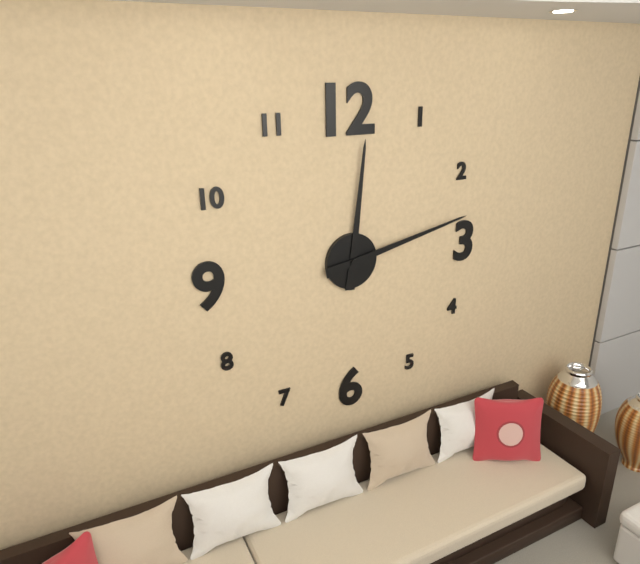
12 h 13 min
